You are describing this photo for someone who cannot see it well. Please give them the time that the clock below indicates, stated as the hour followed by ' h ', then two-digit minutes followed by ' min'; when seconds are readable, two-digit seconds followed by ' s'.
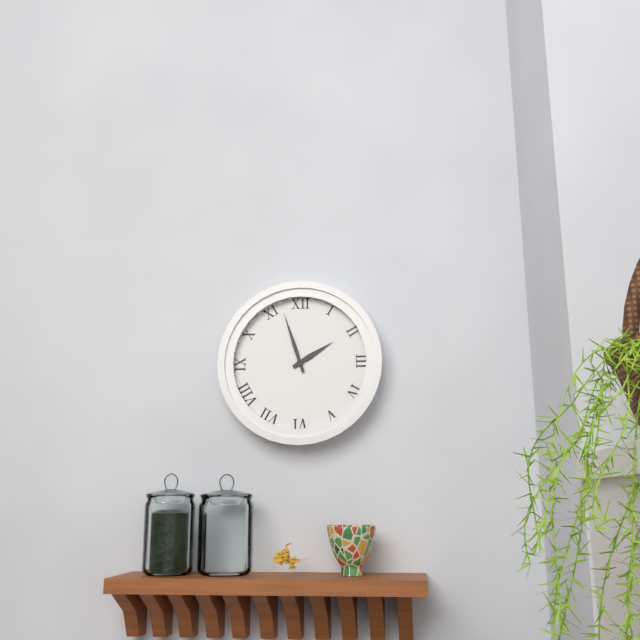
1 h 57 min
